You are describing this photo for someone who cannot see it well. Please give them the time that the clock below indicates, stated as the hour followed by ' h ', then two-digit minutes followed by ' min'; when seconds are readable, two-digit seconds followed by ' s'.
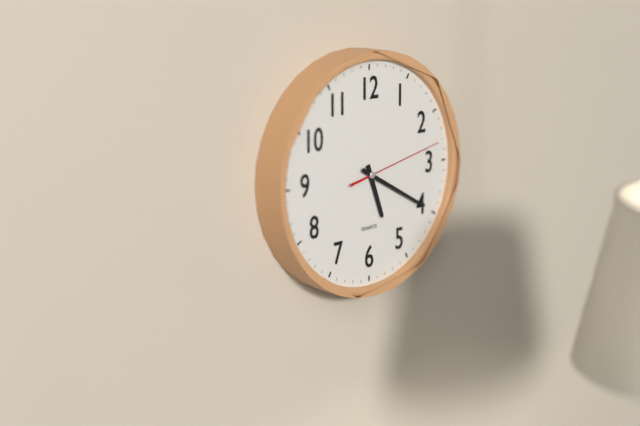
5 h 20 min 13 s
